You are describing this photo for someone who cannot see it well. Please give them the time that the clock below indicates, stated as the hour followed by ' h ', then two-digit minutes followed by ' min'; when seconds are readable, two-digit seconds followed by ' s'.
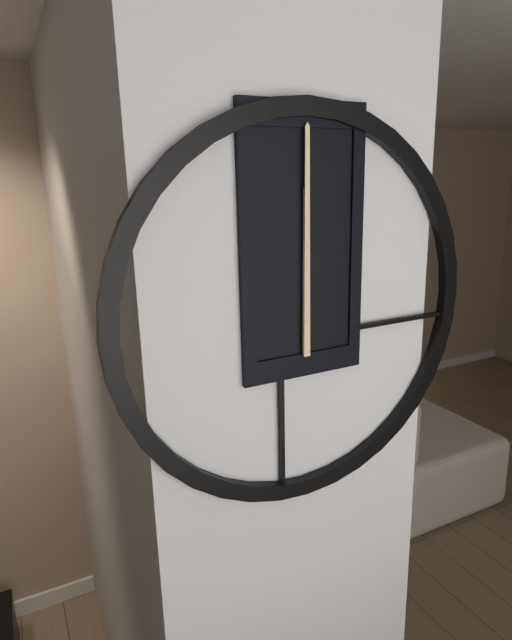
12 h 00 min
